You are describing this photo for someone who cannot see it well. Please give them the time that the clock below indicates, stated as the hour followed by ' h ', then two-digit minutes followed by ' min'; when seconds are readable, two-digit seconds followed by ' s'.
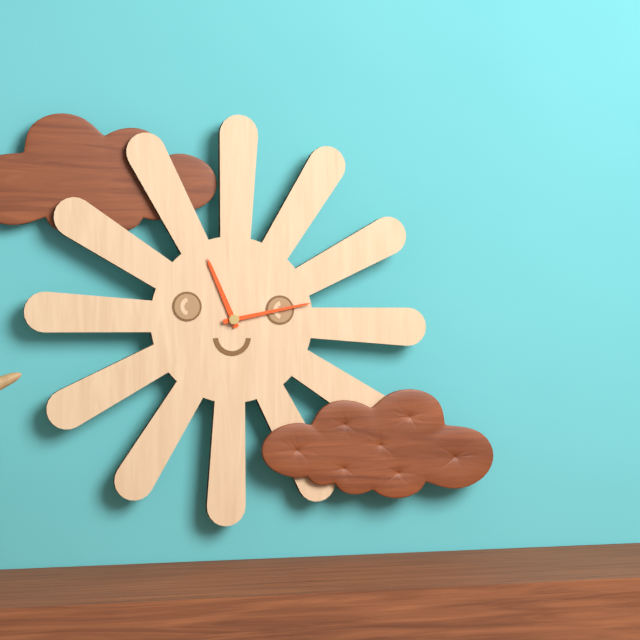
11 h 13 min
